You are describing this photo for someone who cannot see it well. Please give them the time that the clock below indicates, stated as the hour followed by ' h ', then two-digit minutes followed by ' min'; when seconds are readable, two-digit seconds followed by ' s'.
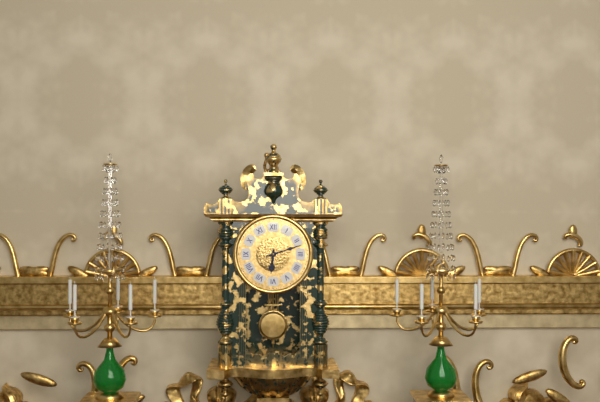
6 h 12 min
